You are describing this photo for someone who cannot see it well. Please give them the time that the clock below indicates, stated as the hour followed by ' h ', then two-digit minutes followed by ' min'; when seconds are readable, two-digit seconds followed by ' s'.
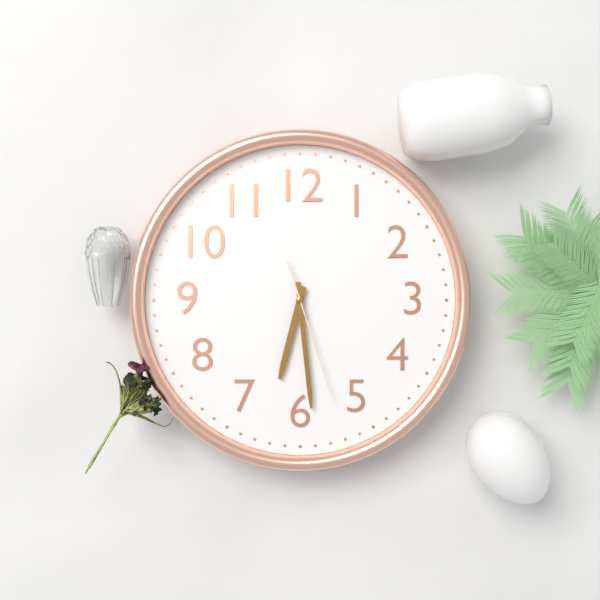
6 h 29 min 27 s
